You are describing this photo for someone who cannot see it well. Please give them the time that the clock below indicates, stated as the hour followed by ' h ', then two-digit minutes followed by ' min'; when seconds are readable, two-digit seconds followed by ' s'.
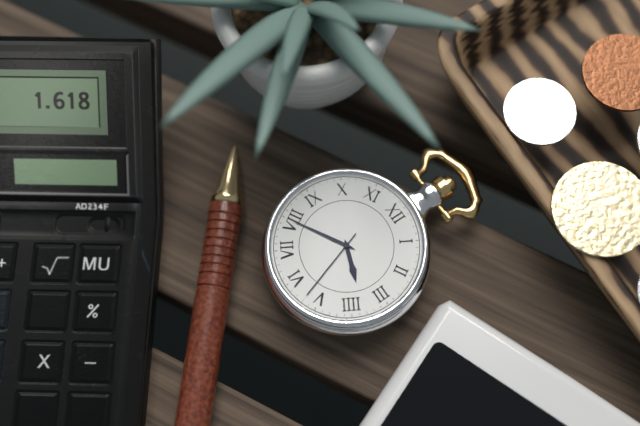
3 h 40 min 27 s
